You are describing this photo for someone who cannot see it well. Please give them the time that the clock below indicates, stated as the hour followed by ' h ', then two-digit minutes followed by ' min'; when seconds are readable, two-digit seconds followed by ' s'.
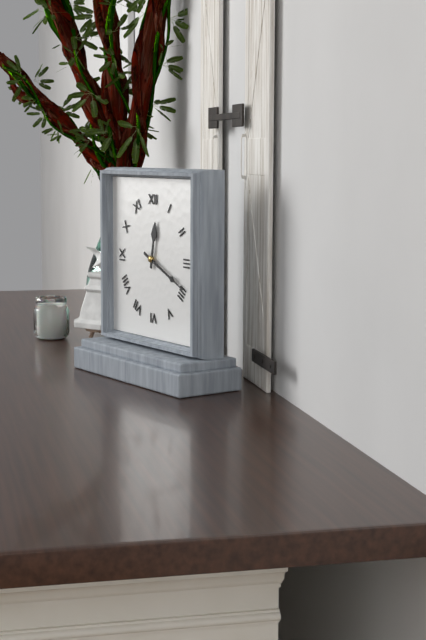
12 h 19 min
